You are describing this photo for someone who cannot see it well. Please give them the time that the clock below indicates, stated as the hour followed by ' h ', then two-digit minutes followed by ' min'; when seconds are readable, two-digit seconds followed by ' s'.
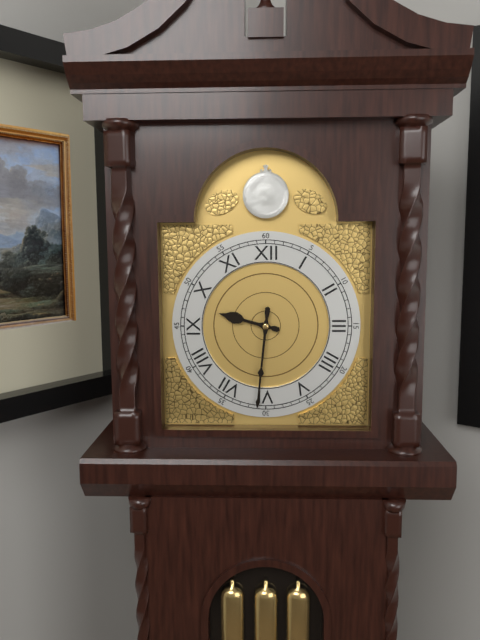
9 h 31 min
